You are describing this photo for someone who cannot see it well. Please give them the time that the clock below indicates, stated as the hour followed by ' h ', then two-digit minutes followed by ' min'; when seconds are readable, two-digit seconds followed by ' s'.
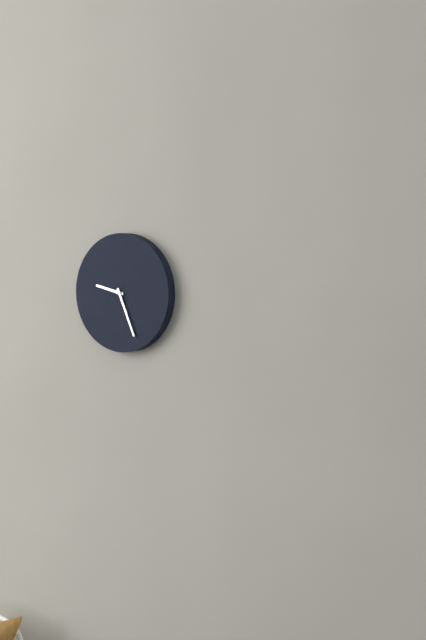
9 h 26 min
